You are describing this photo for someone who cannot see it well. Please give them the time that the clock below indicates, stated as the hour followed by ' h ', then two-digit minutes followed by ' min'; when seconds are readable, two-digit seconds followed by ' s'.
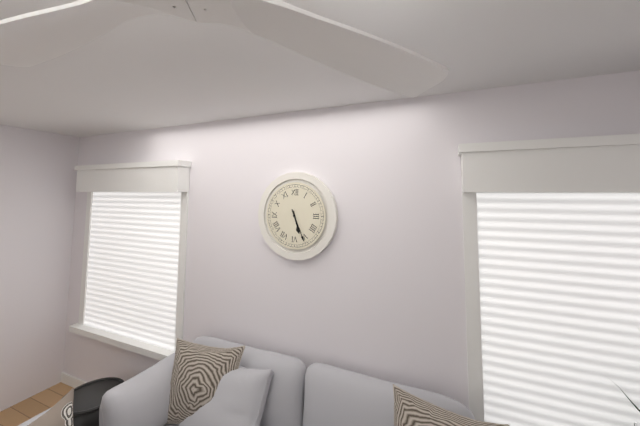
5 h 26 min
